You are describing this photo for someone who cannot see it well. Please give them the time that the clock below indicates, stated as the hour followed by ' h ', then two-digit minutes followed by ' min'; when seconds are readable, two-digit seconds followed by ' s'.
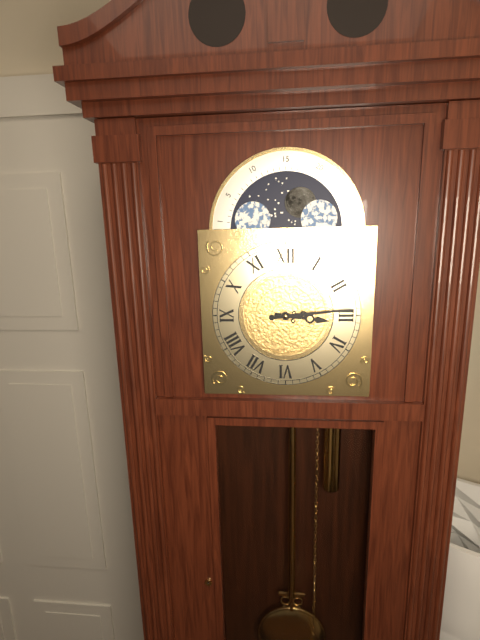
3 h 14 min
